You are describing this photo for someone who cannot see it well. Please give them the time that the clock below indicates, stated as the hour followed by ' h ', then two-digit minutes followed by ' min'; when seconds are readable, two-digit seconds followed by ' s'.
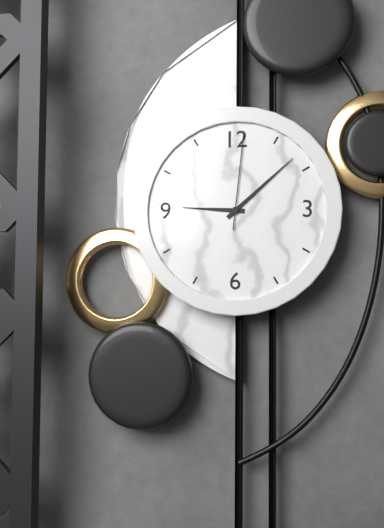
9 h 08 min 01 s
